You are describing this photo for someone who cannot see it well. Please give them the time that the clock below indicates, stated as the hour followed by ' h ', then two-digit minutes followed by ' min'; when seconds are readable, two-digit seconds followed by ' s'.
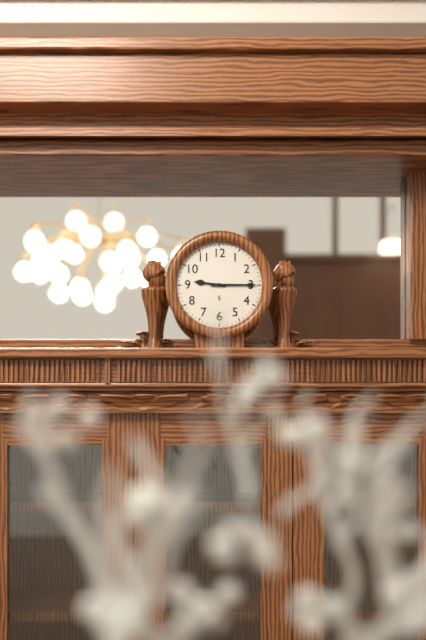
9 h 15 min
